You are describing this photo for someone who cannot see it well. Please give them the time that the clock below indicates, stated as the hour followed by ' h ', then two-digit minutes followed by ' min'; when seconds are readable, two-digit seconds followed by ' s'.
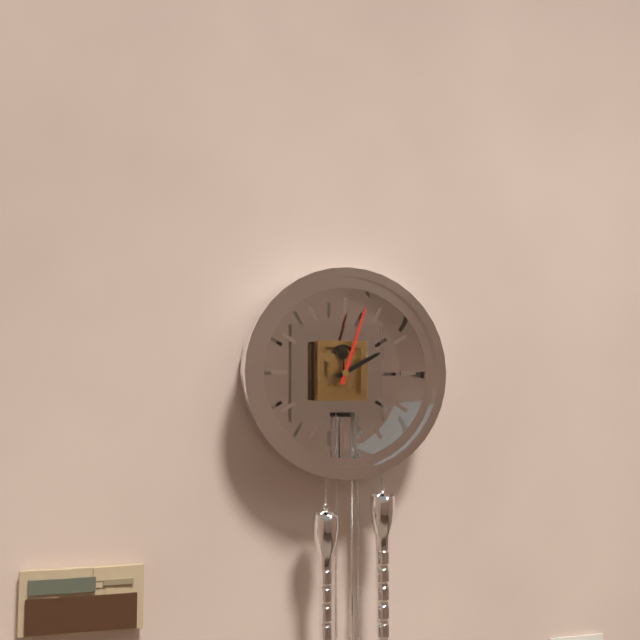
2 h 03 min
